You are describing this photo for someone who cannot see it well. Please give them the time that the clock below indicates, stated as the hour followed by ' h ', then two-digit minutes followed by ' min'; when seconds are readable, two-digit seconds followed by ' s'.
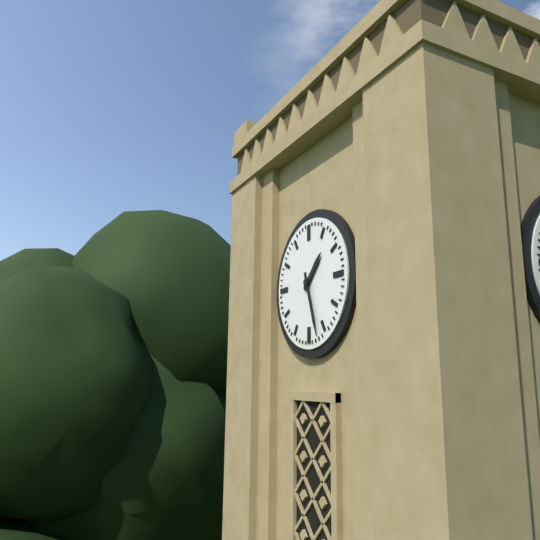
1 h 27 min
